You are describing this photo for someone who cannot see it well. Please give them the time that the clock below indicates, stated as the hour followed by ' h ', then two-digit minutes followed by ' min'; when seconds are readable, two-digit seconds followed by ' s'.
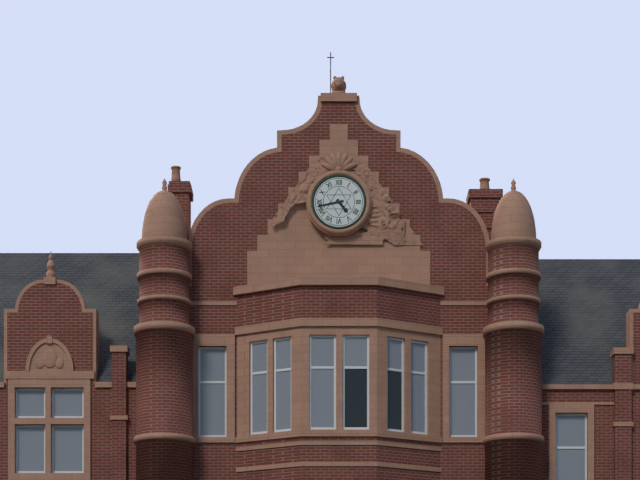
4 h 43 min
